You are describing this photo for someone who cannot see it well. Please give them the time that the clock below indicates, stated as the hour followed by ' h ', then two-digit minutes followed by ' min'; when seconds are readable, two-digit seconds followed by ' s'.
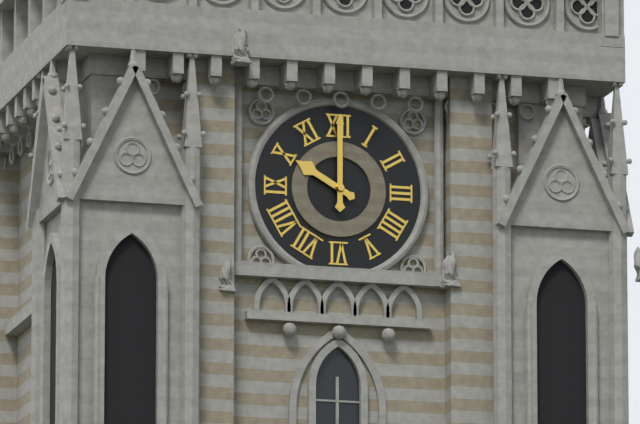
10 h 00 min
